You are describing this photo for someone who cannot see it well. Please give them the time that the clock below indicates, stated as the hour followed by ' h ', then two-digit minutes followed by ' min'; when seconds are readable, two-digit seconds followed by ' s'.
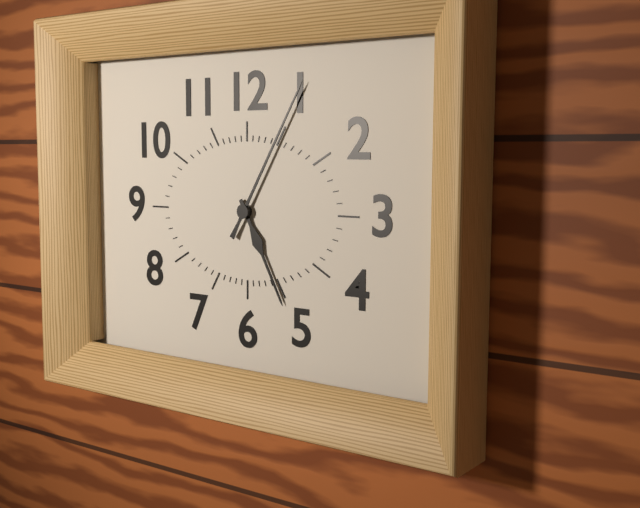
5 h 05 min
